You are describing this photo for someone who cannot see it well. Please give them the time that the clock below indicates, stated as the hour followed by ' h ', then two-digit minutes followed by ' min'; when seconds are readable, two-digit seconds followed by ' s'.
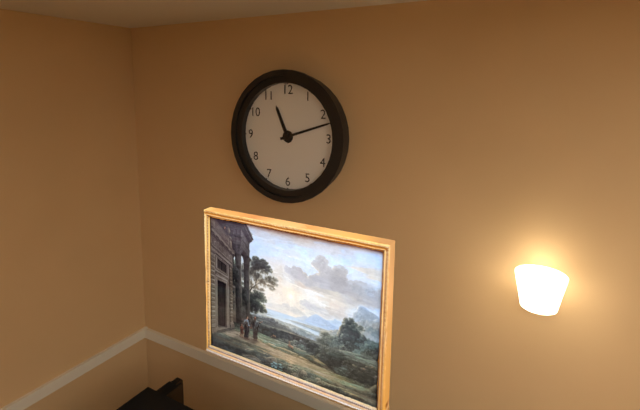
11 h 12 min
